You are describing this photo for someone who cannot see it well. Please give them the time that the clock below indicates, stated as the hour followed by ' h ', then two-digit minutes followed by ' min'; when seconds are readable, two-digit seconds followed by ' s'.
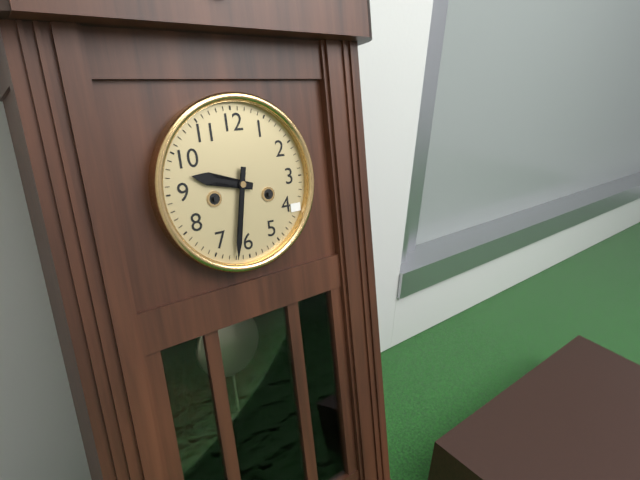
9 h 32 min
